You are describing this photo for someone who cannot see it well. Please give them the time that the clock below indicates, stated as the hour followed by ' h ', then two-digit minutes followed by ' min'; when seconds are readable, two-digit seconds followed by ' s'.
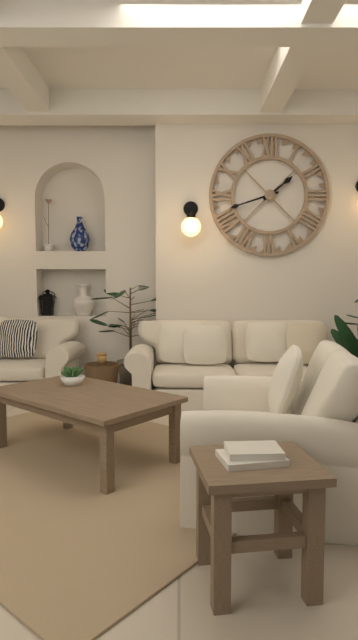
1 h 42 min
